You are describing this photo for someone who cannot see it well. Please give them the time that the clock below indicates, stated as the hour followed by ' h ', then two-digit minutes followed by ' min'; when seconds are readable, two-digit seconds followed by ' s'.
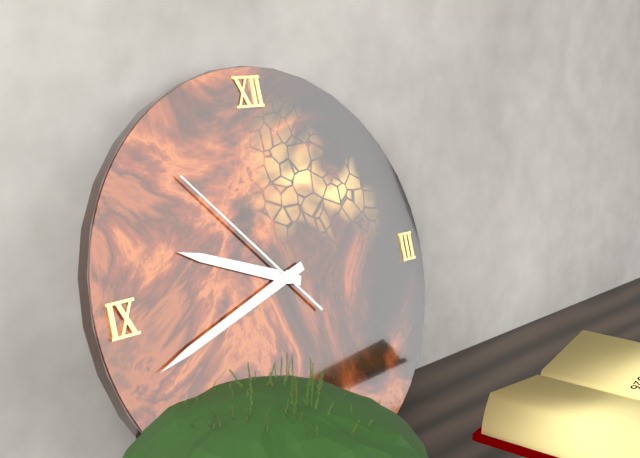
9 h 42 min 53 s
